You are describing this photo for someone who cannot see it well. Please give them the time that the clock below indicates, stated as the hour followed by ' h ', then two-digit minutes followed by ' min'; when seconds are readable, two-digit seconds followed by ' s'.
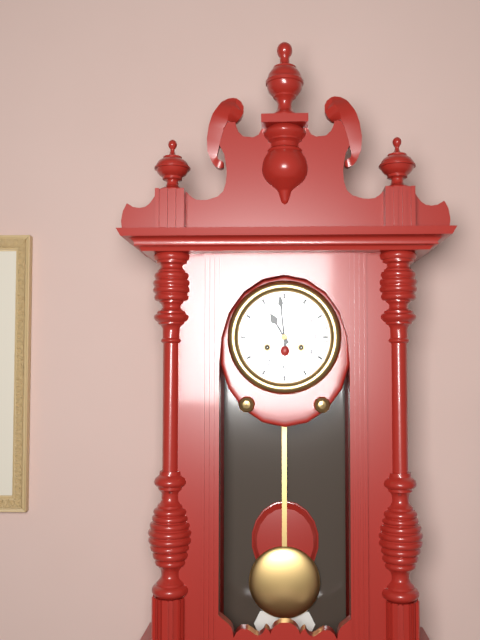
10 h 59 min
